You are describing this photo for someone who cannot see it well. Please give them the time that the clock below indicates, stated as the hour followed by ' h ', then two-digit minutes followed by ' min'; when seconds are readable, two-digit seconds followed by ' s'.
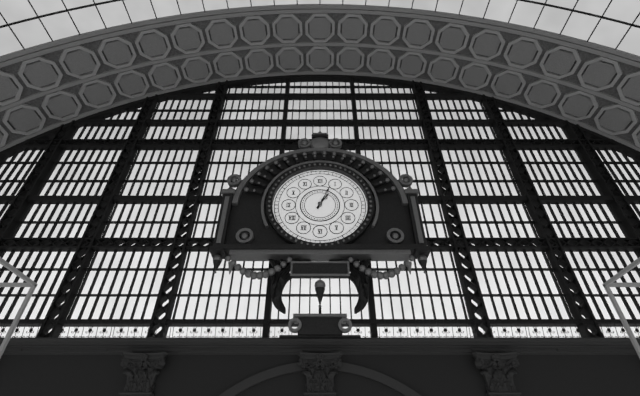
1 h 04 min
